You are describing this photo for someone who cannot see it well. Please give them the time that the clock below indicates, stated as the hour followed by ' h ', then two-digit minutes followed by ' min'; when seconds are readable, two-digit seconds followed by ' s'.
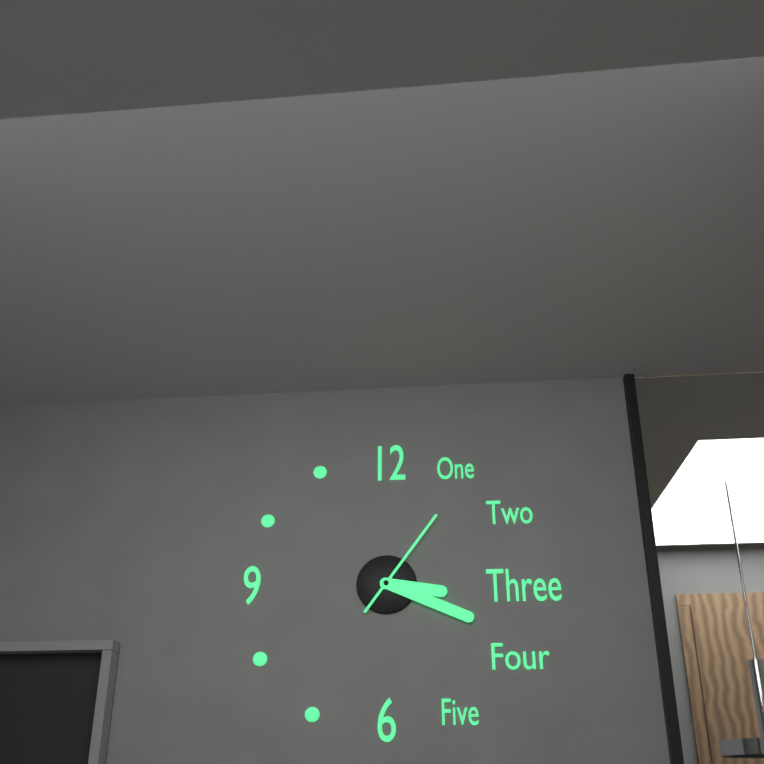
3 h 19 min 06 s
